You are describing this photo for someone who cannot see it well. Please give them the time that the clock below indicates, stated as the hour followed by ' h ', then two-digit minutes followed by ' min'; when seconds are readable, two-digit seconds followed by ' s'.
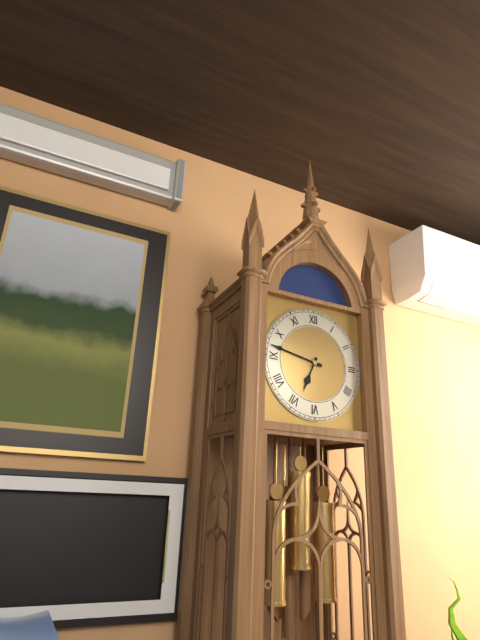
6 h 47 min
